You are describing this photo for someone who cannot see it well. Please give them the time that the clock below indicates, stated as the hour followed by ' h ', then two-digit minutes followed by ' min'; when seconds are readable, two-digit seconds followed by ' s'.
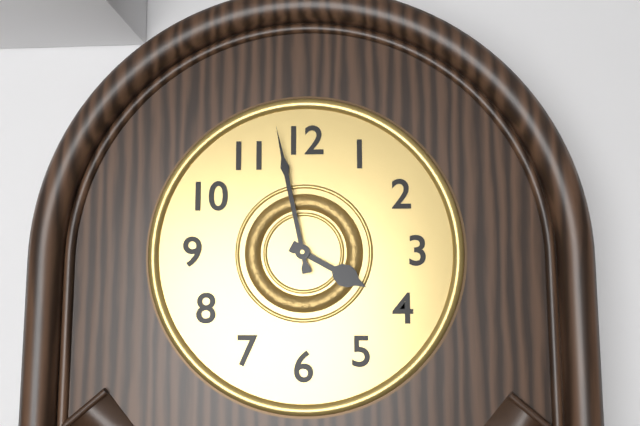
3 h 58 min
